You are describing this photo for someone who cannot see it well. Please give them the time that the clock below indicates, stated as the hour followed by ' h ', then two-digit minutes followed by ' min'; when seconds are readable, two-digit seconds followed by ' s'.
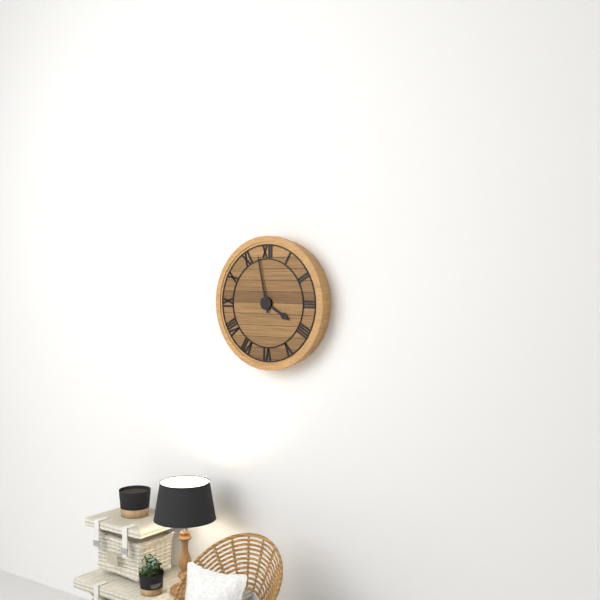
3 h 58 min
